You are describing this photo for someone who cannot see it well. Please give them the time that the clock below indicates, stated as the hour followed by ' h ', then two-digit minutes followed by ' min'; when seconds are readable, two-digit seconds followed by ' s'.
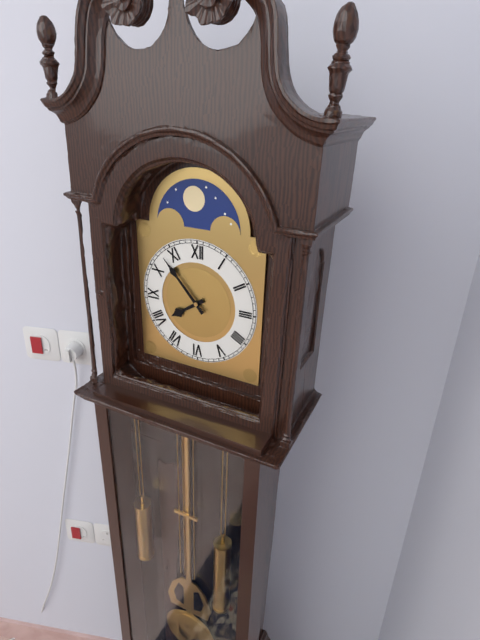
7 h 53 min
